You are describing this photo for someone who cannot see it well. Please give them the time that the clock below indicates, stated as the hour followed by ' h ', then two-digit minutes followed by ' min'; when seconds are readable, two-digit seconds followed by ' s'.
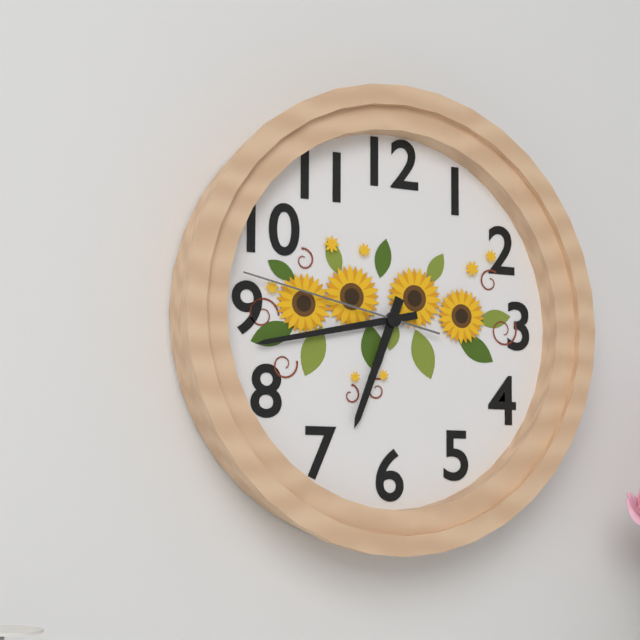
6 h 43 min 47 s
